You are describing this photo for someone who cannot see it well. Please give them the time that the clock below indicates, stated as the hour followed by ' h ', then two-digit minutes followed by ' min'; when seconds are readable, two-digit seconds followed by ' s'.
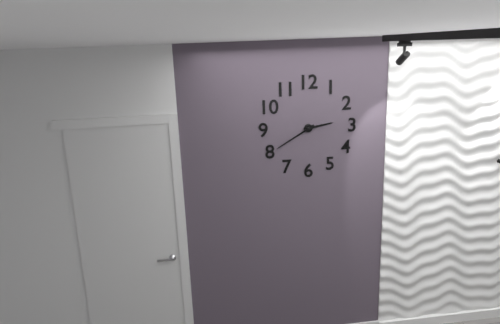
2 h 40 min
